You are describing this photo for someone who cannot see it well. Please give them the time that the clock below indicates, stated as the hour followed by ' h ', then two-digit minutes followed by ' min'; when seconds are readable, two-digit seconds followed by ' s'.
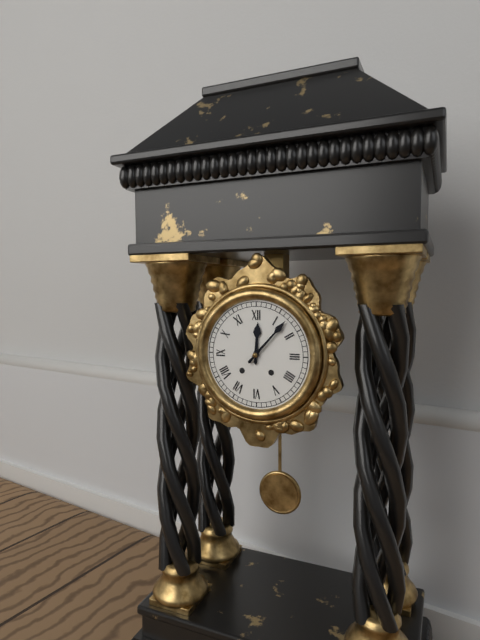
12 h 07 min
